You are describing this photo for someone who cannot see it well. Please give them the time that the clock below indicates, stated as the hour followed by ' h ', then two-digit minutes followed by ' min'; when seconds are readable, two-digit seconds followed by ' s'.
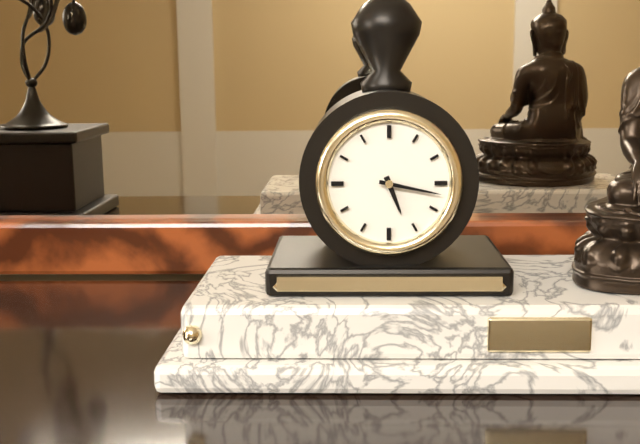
5 h 17 min
